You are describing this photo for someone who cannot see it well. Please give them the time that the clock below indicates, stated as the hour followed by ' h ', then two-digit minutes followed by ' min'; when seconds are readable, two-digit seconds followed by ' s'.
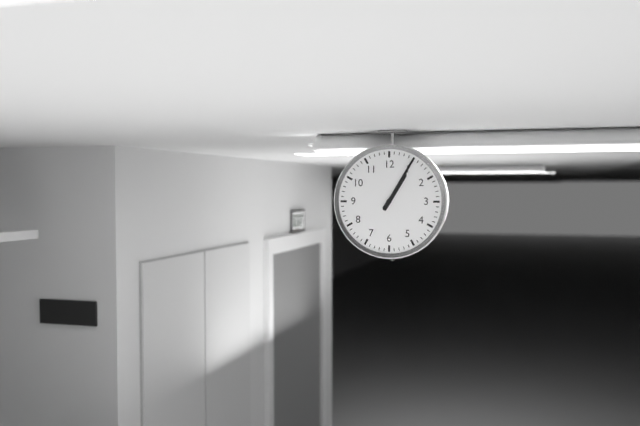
1 h 05 min
